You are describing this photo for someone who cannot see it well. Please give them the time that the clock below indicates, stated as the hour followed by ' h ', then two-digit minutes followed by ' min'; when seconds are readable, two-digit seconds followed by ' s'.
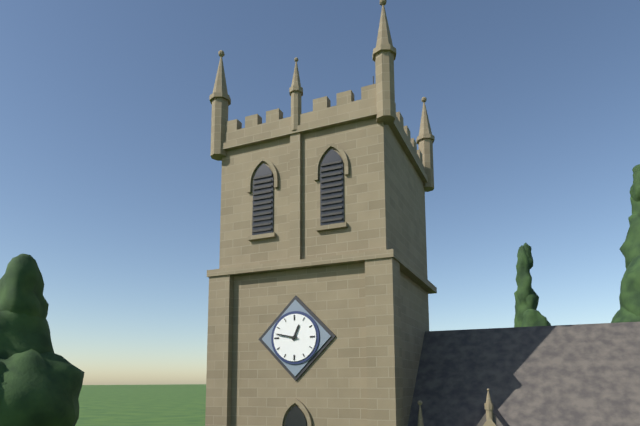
12 h 47 min
